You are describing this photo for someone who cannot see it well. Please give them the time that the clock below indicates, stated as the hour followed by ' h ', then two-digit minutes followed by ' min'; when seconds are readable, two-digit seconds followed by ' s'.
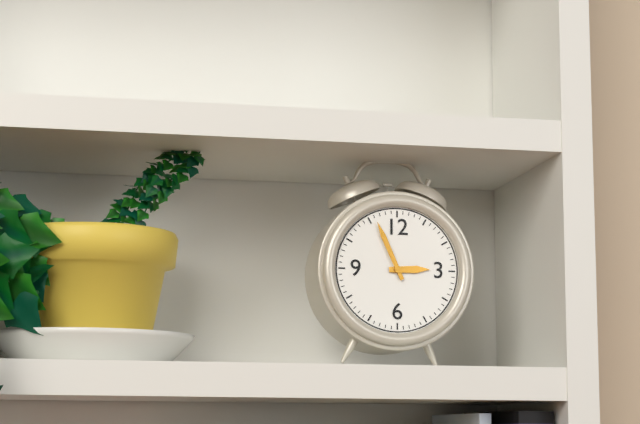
2 h 56 min
